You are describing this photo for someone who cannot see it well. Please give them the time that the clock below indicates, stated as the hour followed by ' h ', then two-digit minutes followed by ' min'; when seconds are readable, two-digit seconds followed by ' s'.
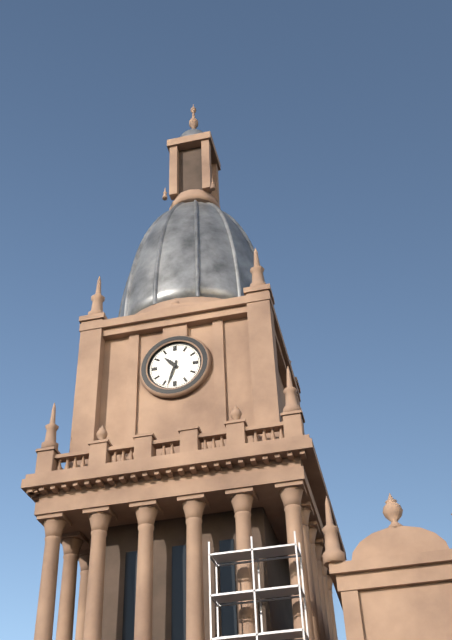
10 h 33 min
